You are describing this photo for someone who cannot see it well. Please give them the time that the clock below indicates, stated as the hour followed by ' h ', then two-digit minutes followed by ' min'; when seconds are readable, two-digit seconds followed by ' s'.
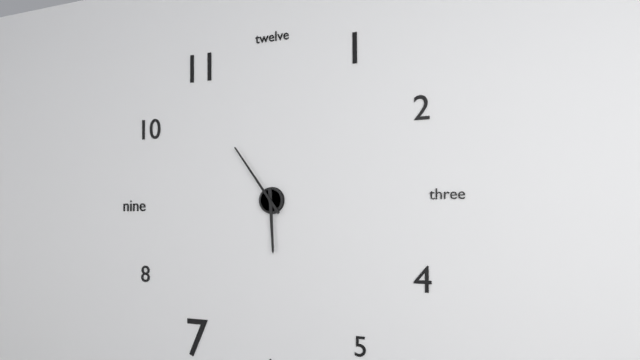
5 h 54 min
